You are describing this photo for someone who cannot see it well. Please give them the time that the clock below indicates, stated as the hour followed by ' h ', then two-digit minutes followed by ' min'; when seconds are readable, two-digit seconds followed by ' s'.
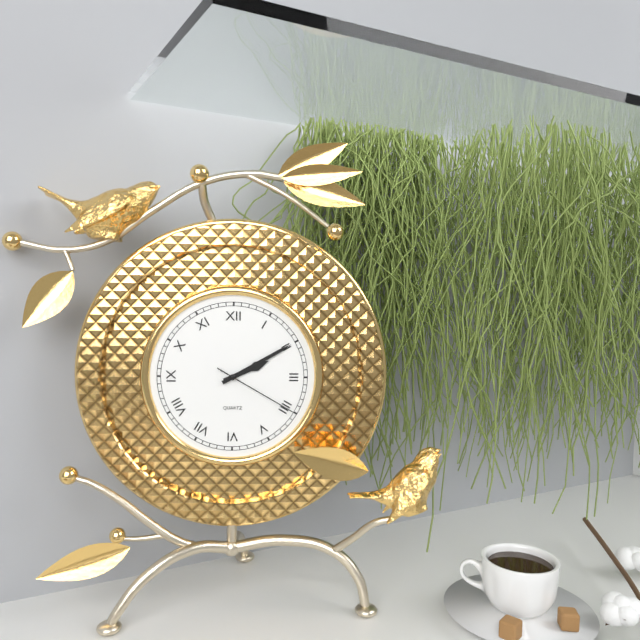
2 h 10 min 20 s
